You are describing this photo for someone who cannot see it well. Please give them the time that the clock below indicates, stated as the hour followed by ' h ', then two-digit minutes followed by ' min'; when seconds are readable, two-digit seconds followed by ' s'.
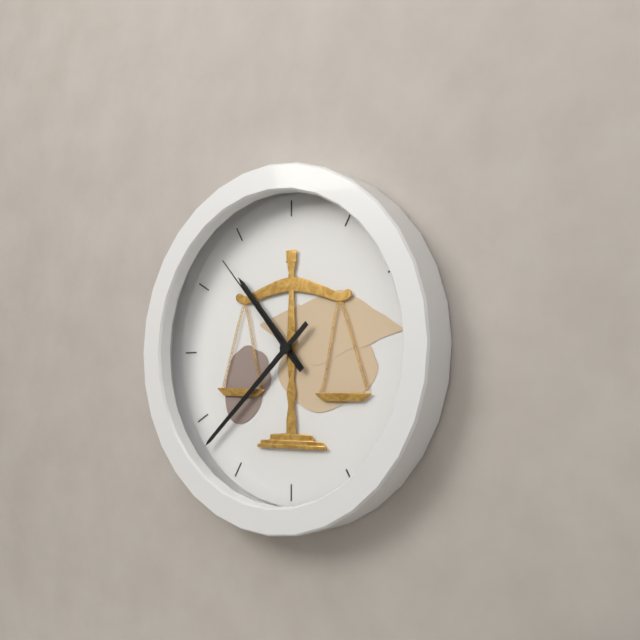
10 h 38 min 53 s
